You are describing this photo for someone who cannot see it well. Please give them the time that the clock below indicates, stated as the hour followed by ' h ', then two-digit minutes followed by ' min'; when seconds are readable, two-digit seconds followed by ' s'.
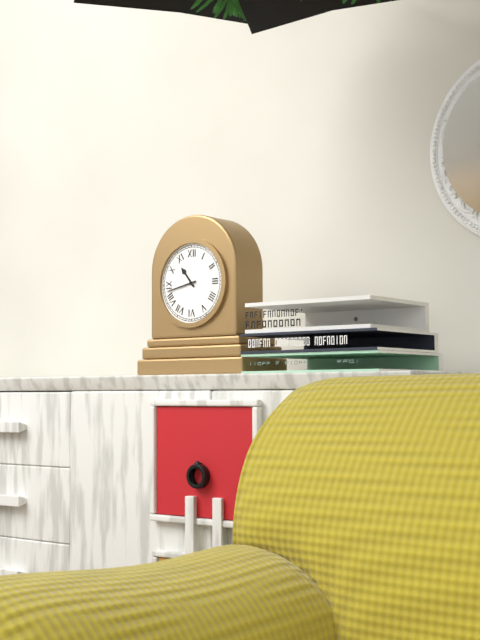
10 h 43 min
